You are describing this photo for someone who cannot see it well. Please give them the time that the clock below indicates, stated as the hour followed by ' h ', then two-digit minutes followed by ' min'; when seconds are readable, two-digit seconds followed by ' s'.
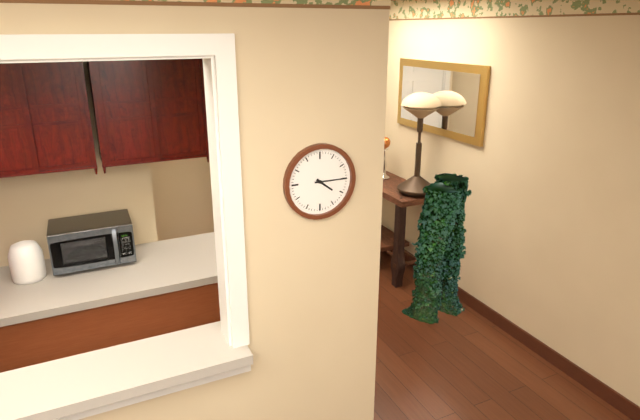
4 h 15 min
